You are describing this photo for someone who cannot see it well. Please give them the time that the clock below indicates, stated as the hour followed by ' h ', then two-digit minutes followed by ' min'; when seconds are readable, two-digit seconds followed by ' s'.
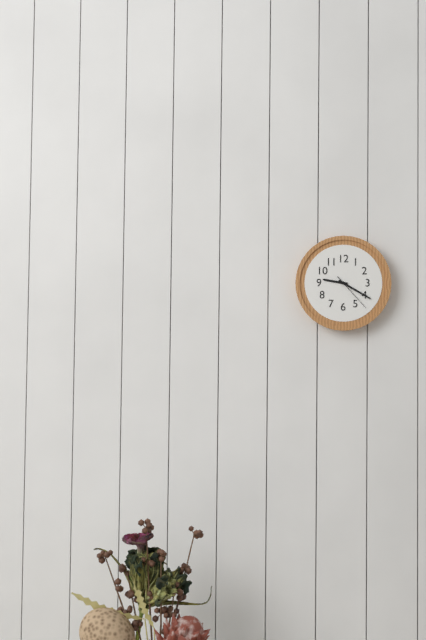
9 h 20 min
